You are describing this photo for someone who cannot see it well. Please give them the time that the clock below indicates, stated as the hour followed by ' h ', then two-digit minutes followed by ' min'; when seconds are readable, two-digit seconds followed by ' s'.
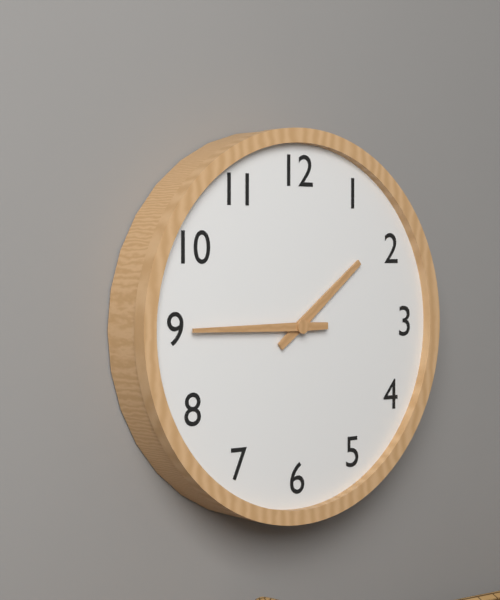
1 h 45 min
